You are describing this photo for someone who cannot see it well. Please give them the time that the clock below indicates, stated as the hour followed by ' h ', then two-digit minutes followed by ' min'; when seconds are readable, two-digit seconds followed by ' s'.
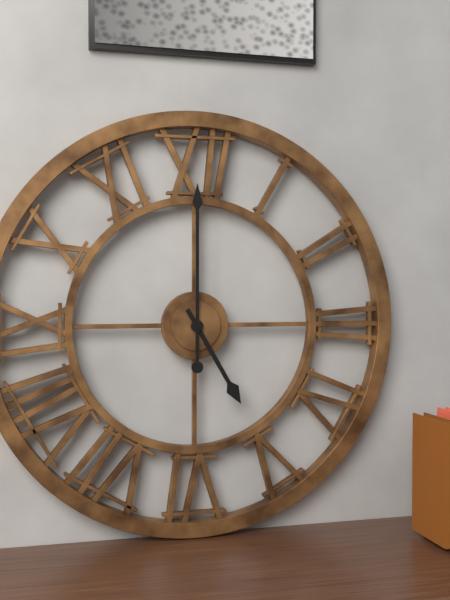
5 h 00 min
